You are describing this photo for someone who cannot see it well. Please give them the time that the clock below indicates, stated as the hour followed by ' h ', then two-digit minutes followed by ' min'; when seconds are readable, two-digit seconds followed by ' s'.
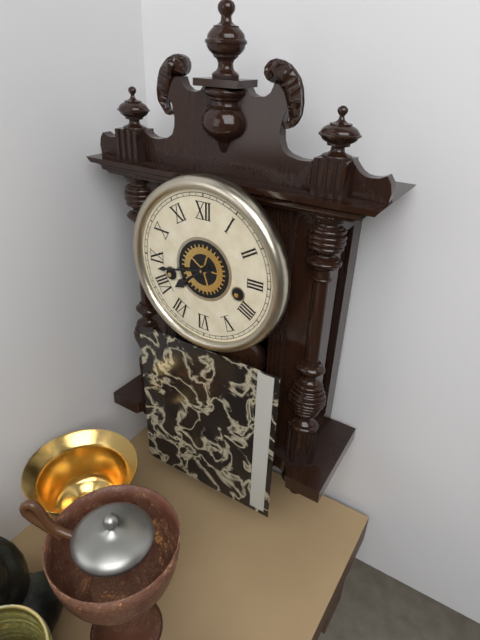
7 h 43 min
